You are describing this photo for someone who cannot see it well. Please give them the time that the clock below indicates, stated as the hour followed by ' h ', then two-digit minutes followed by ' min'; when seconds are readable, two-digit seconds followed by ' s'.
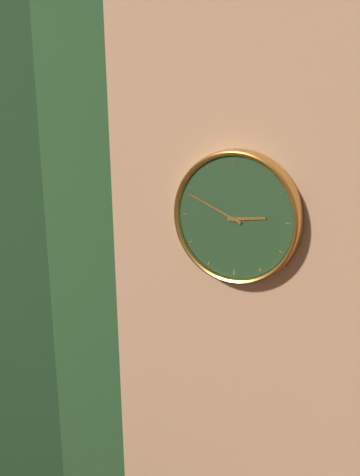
2 h 49 min
